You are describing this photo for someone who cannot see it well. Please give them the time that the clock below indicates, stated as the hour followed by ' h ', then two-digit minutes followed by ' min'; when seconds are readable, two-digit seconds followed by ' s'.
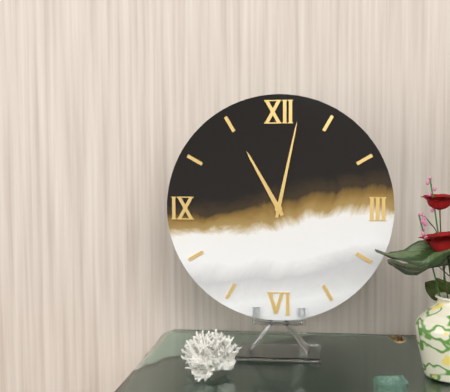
11 h 02 min
